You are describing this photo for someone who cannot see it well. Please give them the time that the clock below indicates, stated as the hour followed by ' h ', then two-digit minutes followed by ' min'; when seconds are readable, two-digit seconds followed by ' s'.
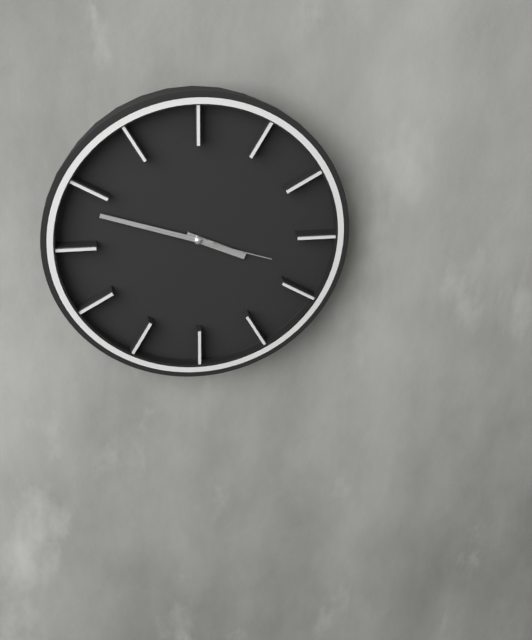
3 h 48 min 18 s
